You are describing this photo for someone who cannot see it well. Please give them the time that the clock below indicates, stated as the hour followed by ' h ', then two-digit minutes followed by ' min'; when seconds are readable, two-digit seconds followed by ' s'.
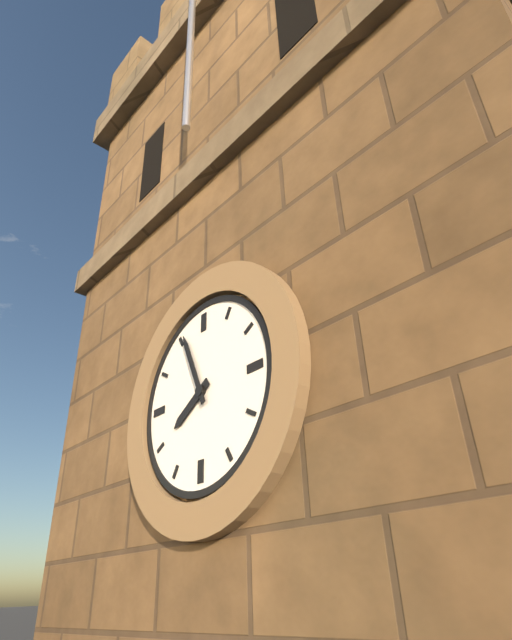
7 h 56 min
